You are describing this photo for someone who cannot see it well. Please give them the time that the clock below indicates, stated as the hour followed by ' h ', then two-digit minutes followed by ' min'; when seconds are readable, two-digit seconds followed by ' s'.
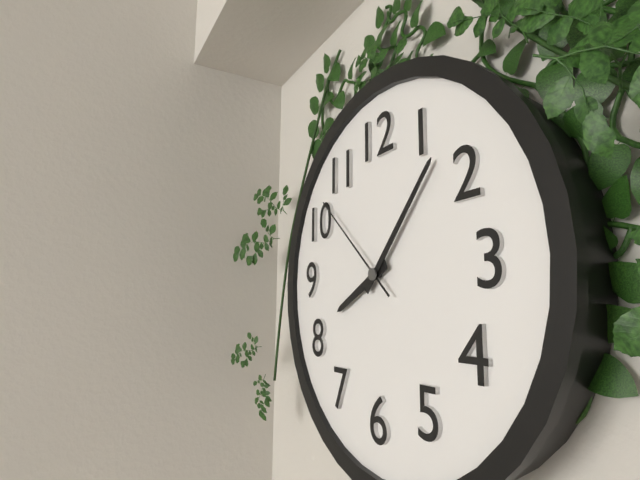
8 h 07 min 52 s
